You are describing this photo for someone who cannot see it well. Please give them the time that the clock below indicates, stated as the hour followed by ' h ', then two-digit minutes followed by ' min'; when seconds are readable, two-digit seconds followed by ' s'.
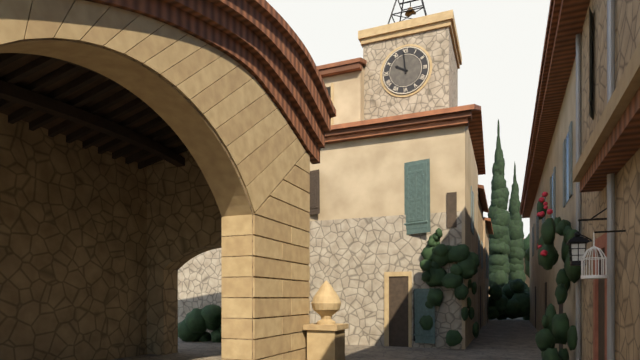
9 h 59 min
